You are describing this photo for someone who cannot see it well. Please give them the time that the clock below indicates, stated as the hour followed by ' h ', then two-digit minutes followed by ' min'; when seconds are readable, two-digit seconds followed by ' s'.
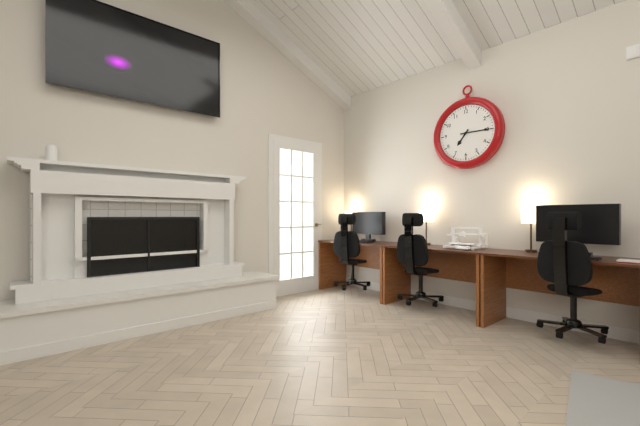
7 h 15 min
